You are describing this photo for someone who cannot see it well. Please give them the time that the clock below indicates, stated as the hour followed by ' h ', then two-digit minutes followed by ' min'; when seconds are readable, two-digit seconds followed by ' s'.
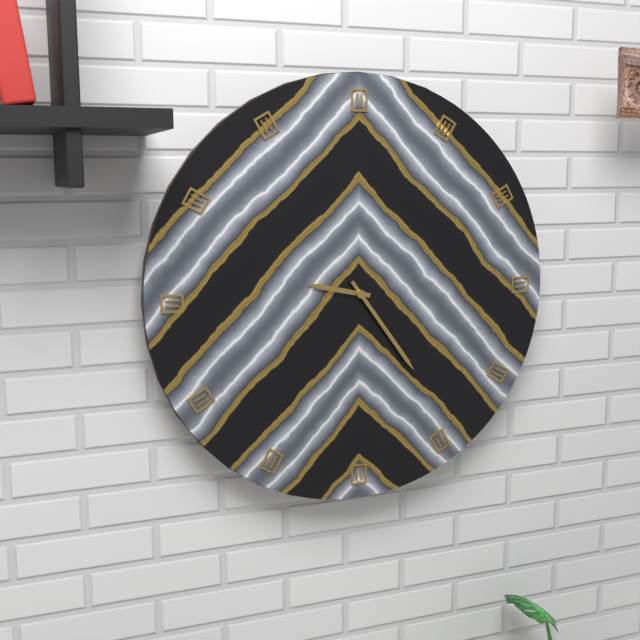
9 h 24 min
